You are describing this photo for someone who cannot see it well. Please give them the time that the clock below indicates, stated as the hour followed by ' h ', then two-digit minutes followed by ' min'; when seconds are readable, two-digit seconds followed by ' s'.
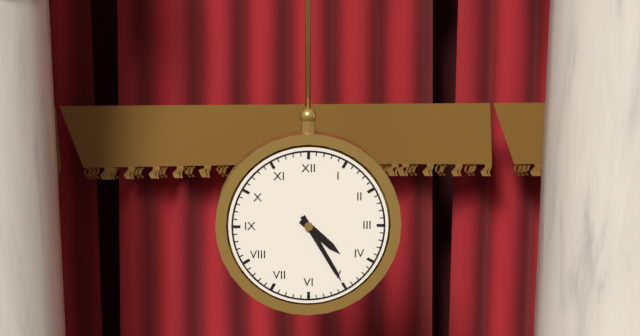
4 h 25 min
